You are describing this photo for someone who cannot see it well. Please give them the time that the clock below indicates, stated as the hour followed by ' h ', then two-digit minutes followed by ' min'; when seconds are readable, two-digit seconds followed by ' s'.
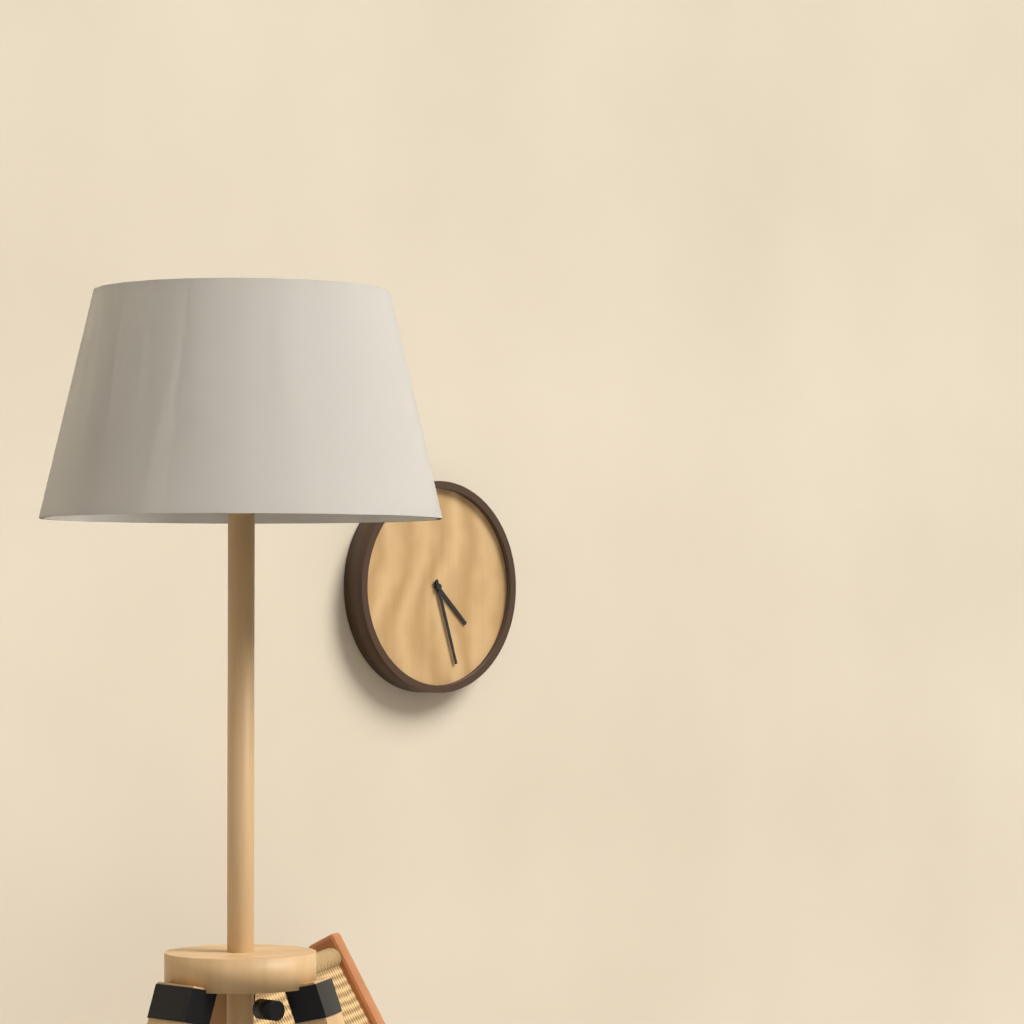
4 h 27 min
